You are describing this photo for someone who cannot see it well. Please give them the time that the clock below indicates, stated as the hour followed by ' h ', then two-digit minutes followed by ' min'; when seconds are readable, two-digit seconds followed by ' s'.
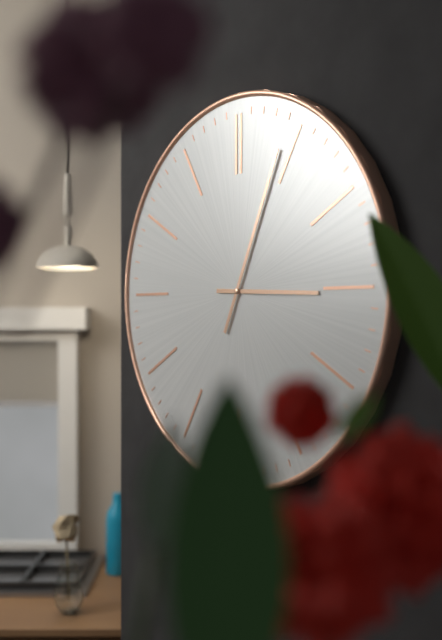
3 h 04 min
